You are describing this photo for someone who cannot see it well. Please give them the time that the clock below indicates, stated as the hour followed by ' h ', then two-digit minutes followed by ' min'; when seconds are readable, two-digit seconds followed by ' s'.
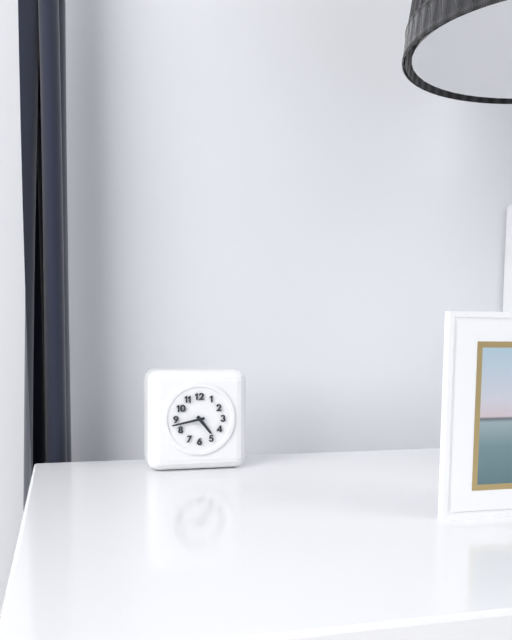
4 h 43 min
